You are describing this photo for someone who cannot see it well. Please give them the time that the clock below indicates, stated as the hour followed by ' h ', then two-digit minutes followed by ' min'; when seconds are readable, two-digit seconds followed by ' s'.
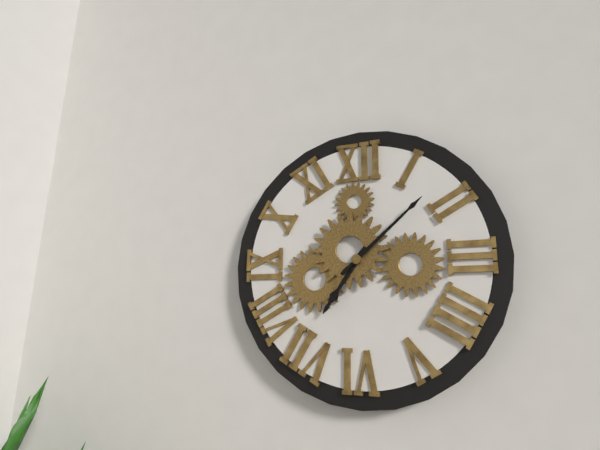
7 h 08 min
